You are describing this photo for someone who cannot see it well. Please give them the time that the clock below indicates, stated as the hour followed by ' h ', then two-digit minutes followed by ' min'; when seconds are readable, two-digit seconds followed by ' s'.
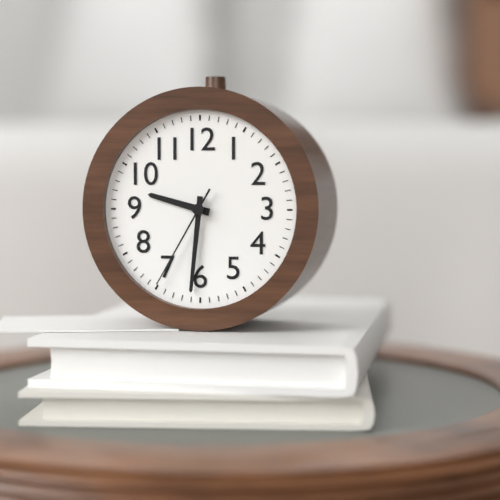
9 h 31 min 35 s
